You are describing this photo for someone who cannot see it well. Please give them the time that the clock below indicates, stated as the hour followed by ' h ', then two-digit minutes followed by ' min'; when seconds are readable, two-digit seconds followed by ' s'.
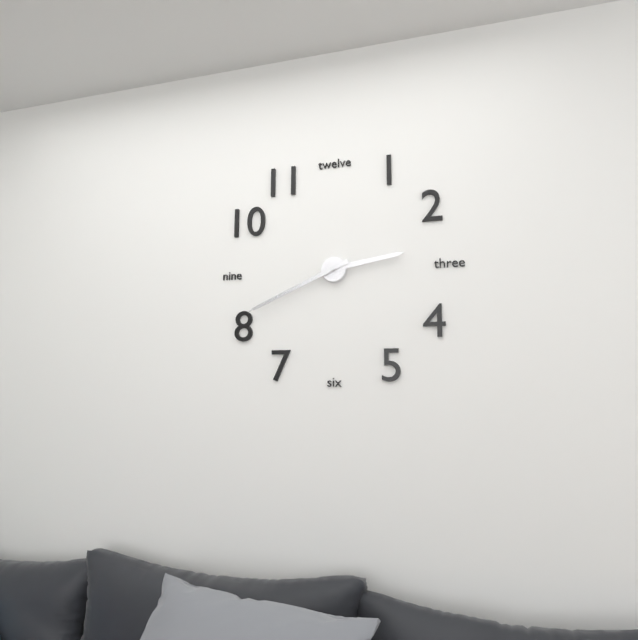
2 h 41 min
